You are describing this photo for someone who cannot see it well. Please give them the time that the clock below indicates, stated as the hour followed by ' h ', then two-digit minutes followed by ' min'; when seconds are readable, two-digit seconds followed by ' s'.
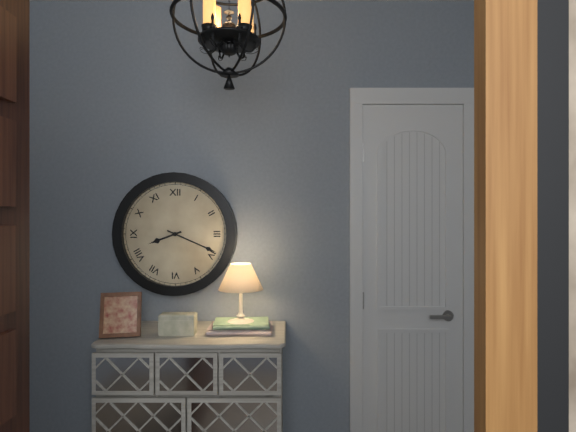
8 h 19 min
